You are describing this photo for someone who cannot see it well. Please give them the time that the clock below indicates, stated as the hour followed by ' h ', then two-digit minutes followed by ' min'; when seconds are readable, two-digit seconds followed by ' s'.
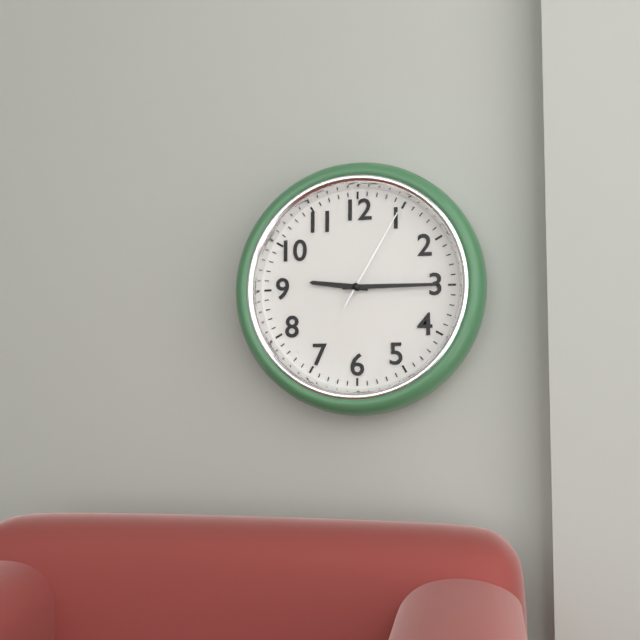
9 h 15 min 05 s
